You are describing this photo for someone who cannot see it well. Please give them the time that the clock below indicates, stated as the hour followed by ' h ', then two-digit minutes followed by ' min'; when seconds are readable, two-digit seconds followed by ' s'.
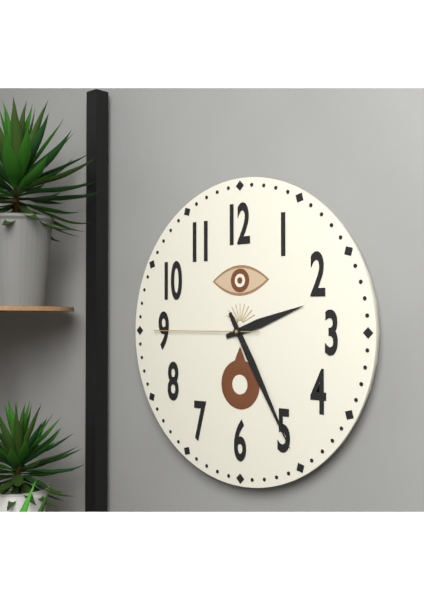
2 h 25 min 45 s
